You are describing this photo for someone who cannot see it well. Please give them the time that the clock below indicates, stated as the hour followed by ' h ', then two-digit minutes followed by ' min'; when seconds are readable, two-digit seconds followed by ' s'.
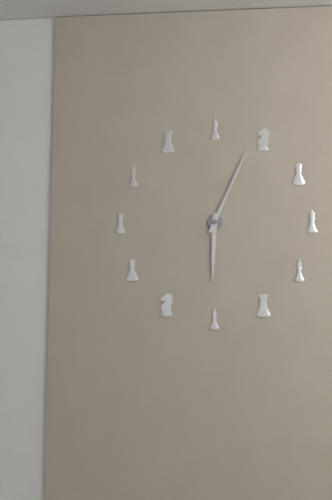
6 h 04 min
